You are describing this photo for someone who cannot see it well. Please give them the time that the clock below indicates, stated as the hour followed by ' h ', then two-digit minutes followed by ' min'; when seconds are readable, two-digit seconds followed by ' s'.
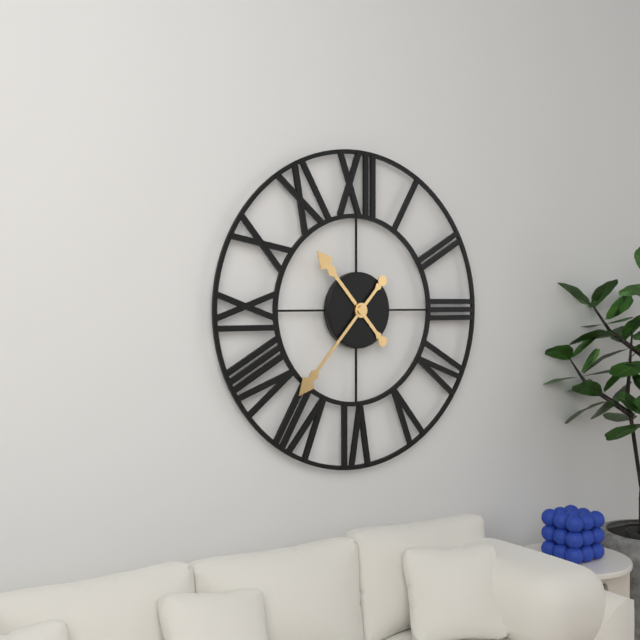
10 h 37 min
